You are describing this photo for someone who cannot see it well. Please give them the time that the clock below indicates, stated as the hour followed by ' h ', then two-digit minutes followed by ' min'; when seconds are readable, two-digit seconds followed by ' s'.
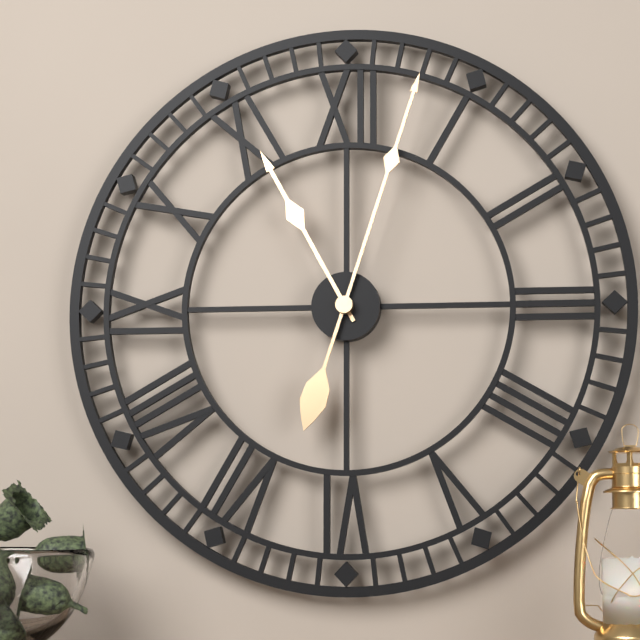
11 h 03 min
